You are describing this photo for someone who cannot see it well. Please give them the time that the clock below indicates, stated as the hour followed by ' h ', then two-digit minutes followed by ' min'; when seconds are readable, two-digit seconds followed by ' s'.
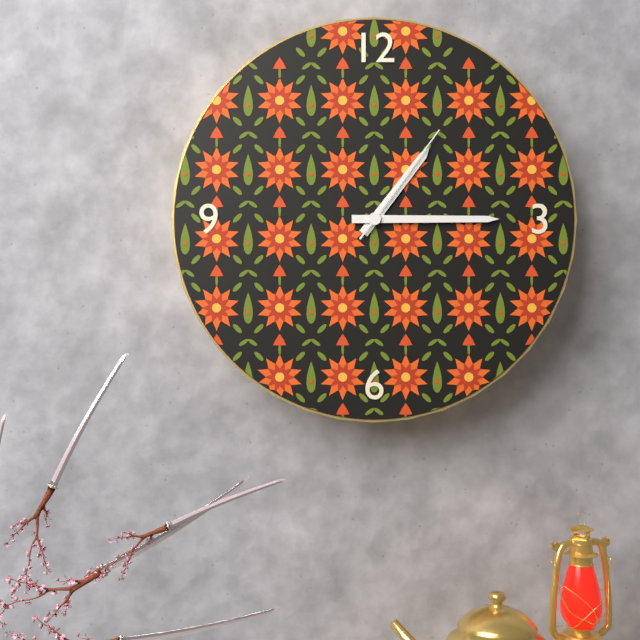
1 h 15 min 06 s
